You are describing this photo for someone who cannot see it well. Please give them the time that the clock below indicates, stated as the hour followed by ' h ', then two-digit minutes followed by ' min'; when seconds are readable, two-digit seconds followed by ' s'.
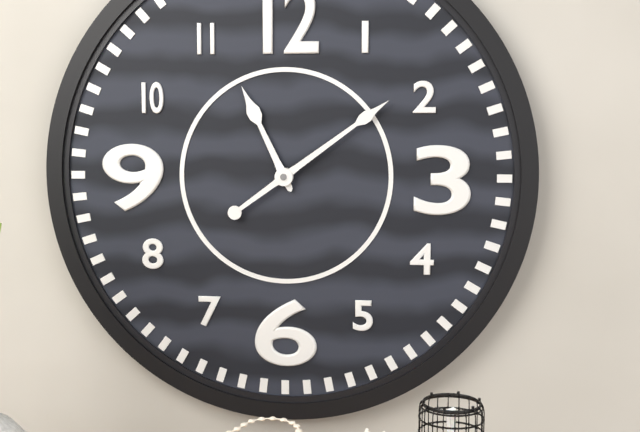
11 h 09 min
